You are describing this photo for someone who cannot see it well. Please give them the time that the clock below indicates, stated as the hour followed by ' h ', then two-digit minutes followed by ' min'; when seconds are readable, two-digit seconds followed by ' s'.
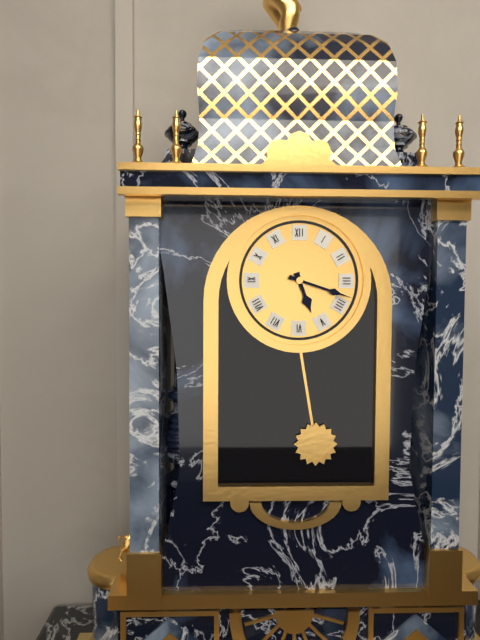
5 h 18 min
